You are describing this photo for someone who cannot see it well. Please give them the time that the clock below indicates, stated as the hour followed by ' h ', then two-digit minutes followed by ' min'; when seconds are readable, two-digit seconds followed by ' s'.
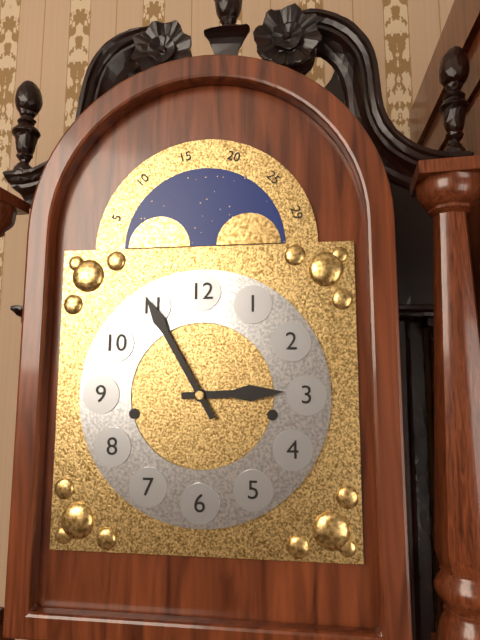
2 h 55 min
